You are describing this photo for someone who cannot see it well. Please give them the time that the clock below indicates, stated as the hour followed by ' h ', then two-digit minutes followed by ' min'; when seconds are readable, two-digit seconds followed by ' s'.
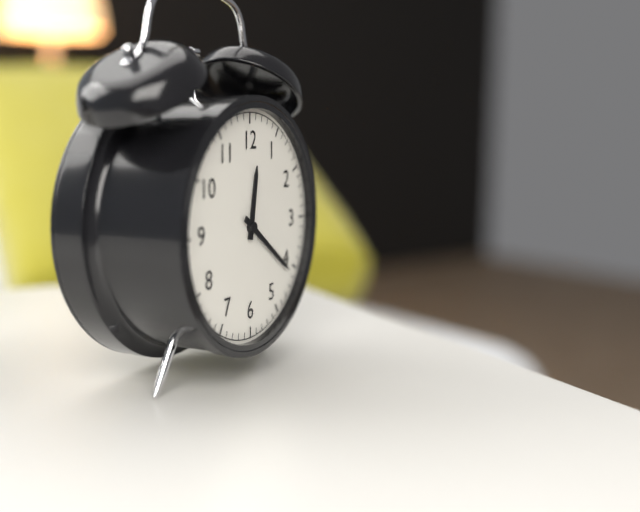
12 h 21 min
